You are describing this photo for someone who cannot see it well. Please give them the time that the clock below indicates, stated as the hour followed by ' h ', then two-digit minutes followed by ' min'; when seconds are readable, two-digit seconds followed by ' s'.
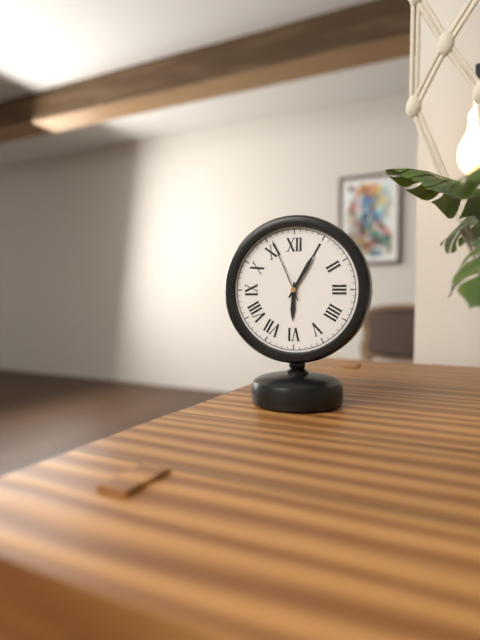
6 h 05 min 56 s
